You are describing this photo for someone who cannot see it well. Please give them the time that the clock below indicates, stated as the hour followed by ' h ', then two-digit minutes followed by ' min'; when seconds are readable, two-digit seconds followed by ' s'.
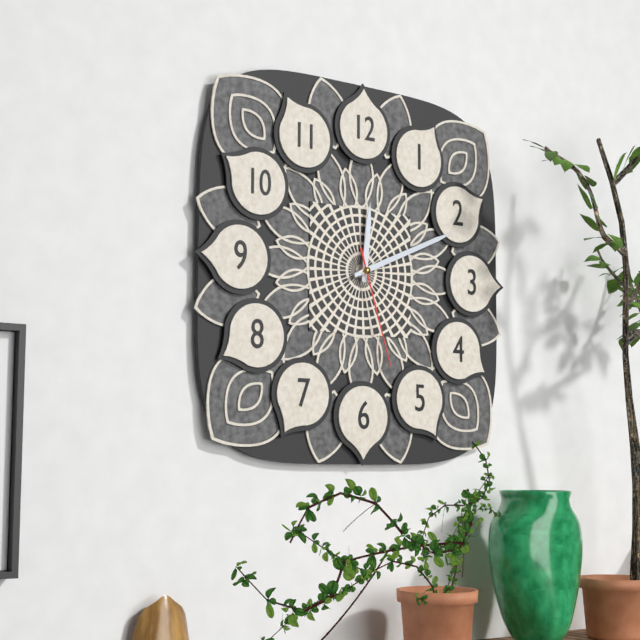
12 h 11 min 27 s
